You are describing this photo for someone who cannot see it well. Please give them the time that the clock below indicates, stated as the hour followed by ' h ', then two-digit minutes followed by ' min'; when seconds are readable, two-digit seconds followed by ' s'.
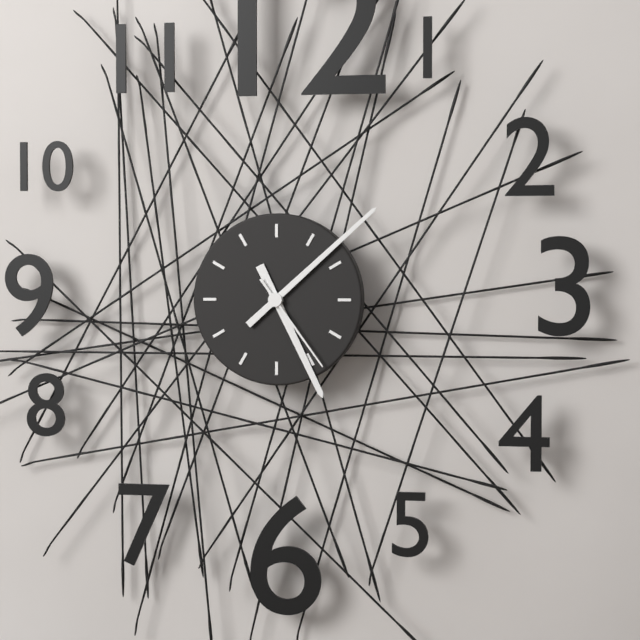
5 h 08 min 24 s
